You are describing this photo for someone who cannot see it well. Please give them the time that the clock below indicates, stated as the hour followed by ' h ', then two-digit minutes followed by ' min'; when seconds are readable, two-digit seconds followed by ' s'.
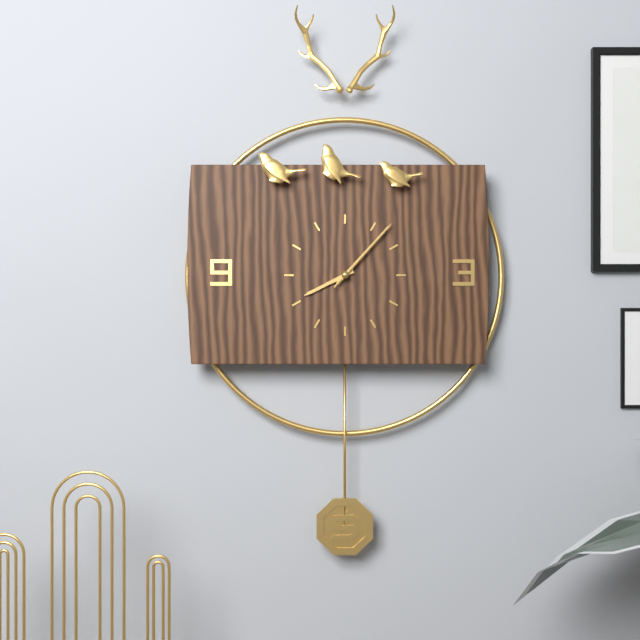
8 h 07 min 07 s
